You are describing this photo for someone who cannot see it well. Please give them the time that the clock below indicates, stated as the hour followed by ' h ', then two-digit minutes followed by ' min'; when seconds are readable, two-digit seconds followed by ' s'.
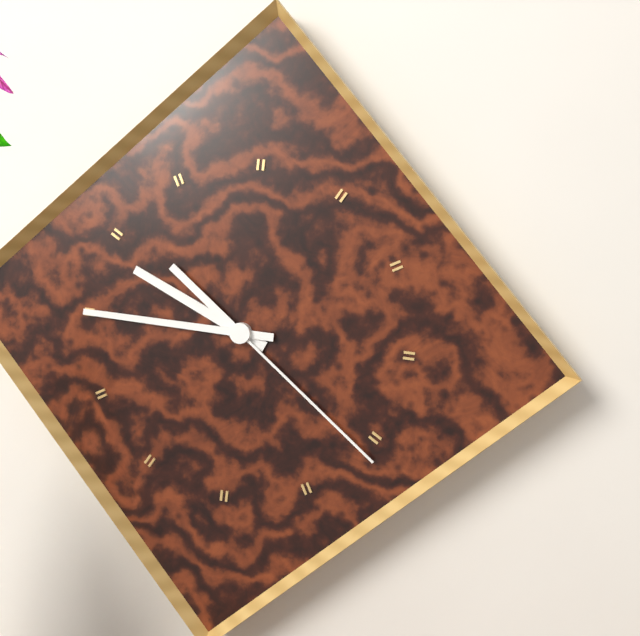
9 h 45 min 21 s
